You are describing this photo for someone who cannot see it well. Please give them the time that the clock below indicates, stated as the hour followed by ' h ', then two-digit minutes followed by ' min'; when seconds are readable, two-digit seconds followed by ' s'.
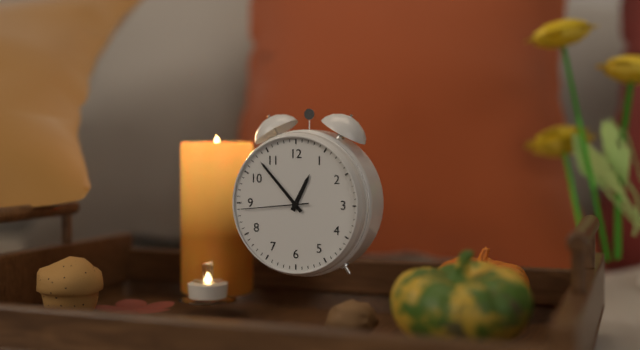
12 h 53 min 44 s
